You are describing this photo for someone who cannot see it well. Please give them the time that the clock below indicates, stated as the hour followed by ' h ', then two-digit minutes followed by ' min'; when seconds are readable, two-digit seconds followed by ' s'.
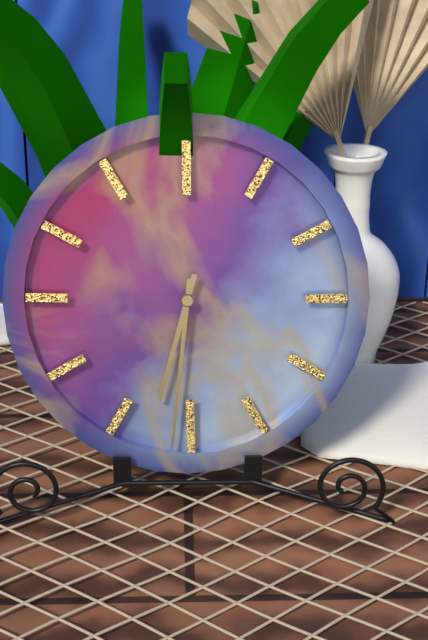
6 h 31 min
